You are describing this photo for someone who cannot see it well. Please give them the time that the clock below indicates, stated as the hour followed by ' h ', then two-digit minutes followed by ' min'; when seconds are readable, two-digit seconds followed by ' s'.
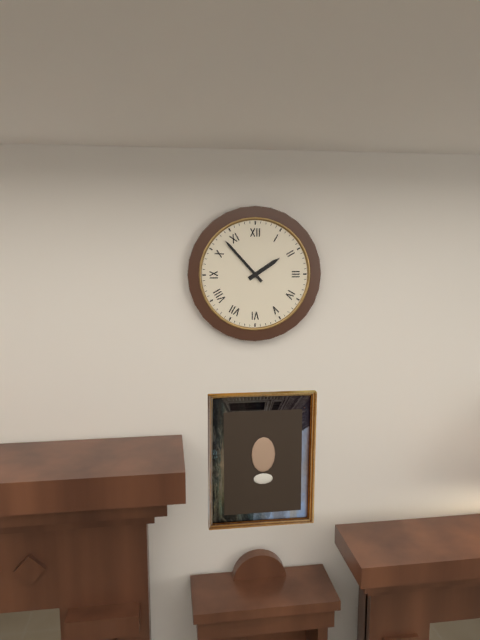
1 h 53 min
